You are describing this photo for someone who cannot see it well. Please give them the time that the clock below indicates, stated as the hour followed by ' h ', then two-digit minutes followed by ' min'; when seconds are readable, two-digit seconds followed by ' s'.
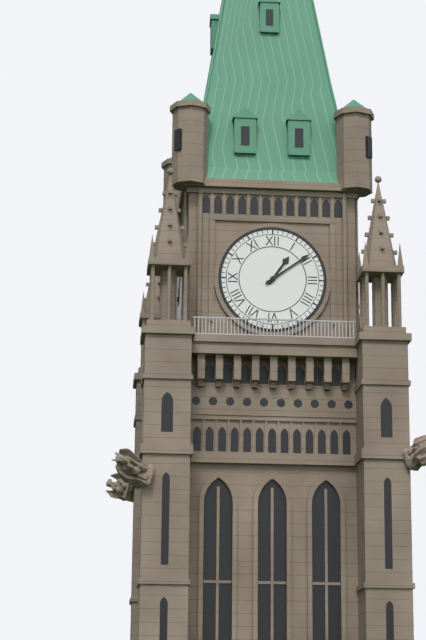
1 h 09 min
